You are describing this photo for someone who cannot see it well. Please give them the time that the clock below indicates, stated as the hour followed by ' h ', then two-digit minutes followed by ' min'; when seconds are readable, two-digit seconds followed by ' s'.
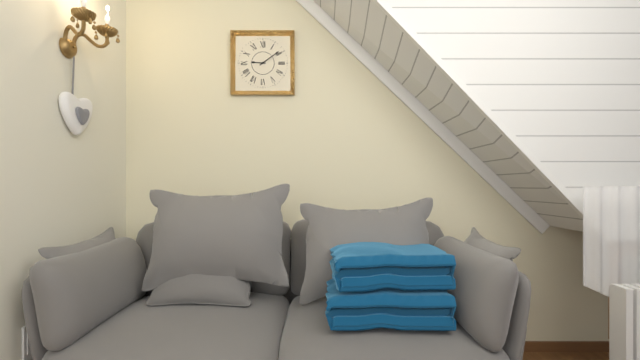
9 h 09 min
